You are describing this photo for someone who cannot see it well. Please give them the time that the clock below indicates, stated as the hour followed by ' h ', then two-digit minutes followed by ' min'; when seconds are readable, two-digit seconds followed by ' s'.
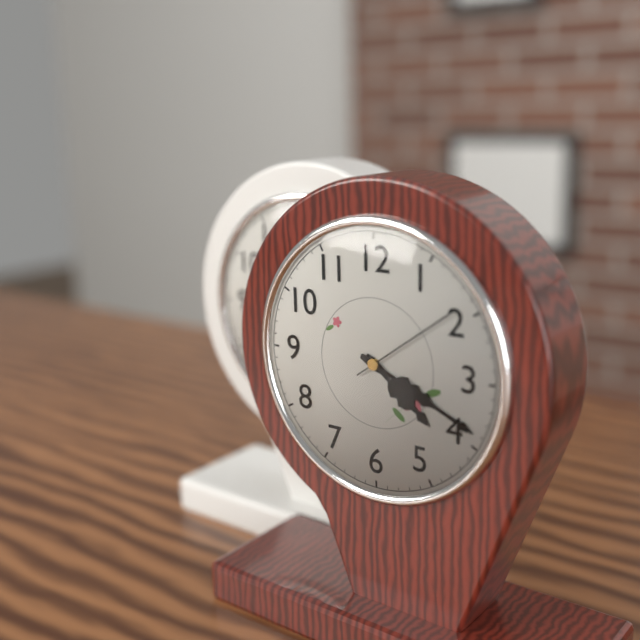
4 h 19 min 09 s
